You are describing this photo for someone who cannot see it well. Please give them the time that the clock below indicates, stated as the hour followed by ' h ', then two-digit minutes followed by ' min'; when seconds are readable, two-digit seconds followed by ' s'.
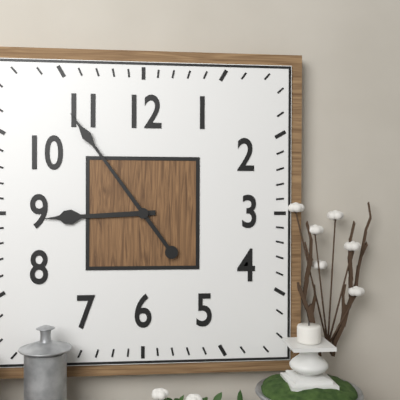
8 h 54 min
